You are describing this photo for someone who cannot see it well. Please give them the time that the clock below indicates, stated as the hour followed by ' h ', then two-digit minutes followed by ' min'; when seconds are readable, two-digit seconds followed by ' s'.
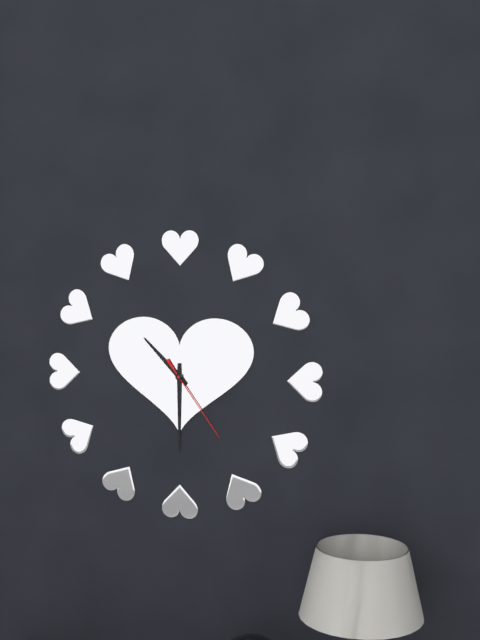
10 h 30 min 24 s
